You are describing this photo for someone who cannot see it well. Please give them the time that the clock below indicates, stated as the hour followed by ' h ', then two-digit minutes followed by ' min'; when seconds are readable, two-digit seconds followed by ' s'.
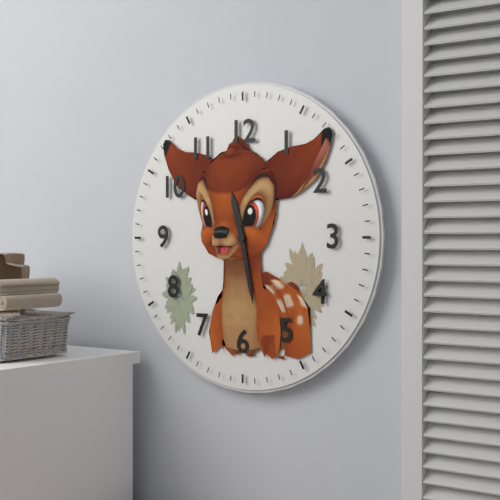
11 h 28 min
